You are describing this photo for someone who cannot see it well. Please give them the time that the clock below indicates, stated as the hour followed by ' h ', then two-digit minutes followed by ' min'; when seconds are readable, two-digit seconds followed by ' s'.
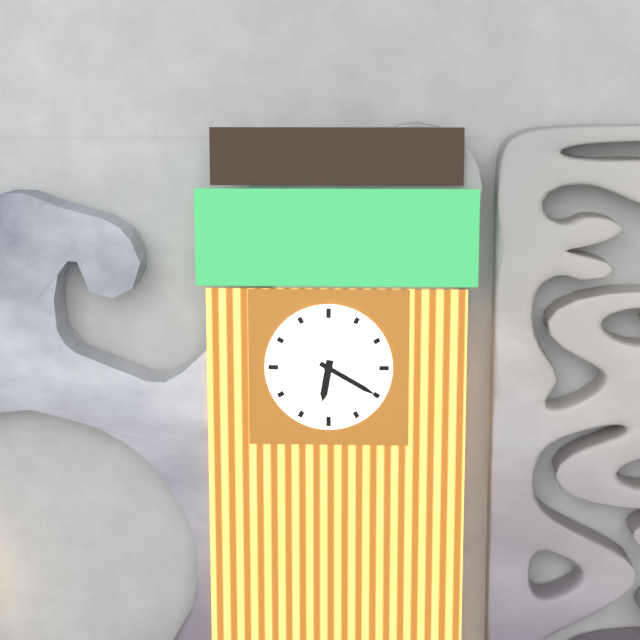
6 h 20 min
